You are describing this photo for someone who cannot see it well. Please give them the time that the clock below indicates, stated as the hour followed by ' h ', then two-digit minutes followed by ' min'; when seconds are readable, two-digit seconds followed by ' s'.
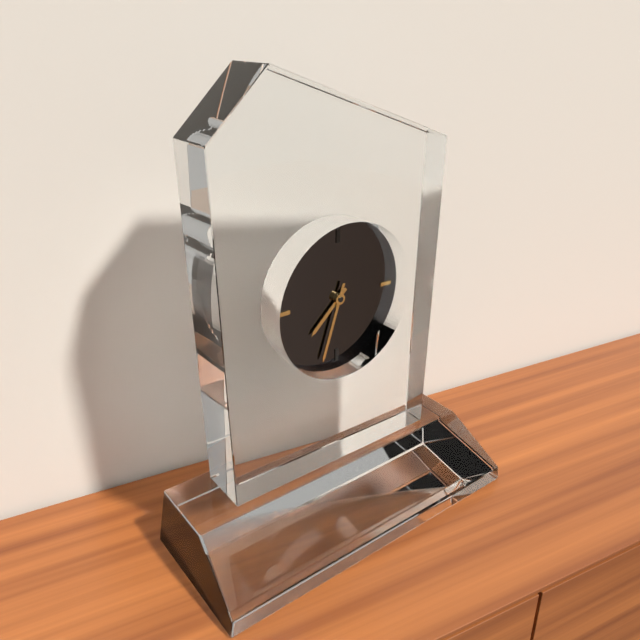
7 h 33 min
